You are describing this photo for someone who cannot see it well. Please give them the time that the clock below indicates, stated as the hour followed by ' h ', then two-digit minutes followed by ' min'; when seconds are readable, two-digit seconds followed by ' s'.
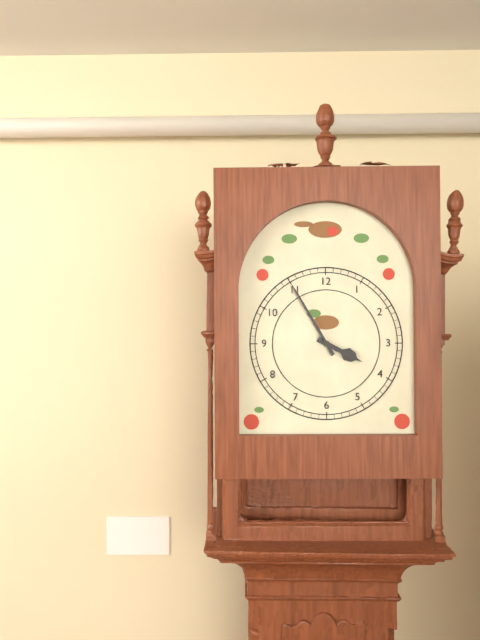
3 h 55 min
